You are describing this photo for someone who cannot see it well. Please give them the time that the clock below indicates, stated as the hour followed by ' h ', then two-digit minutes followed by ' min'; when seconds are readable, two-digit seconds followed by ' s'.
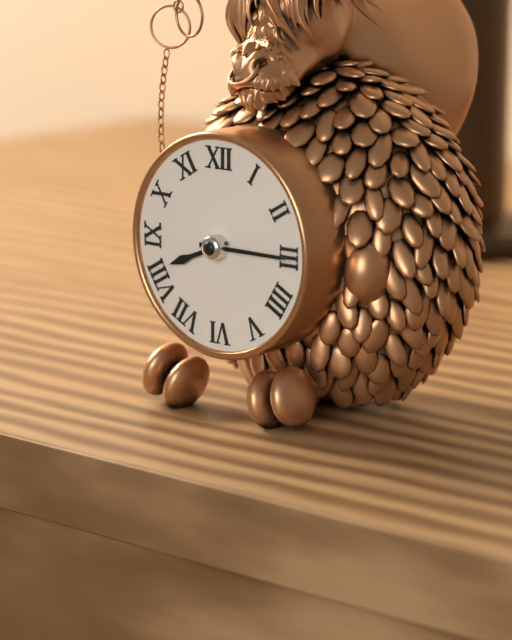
8 h 15 min
